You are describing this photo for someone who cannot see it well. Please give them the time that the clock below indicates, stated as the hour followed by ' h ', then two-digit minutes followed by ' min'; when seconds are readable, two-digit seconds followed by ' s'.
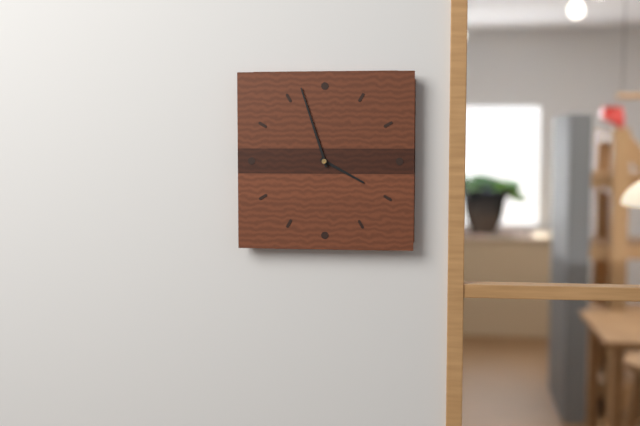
3 h 57 min
